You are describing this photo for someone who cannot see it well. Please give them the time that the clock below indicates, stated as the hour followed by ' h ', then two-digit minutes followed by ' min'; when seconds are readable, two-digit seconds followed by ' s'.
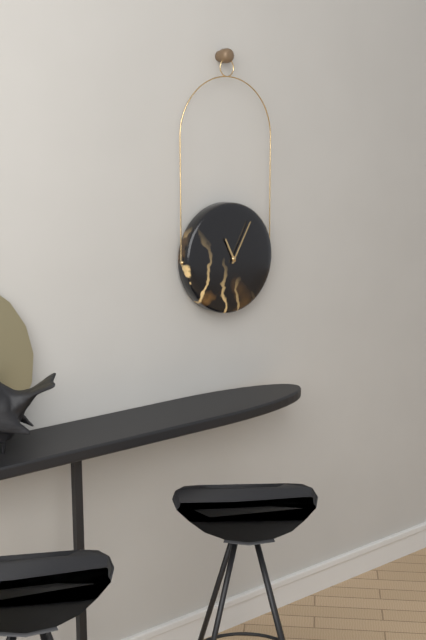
11 h 05 min
